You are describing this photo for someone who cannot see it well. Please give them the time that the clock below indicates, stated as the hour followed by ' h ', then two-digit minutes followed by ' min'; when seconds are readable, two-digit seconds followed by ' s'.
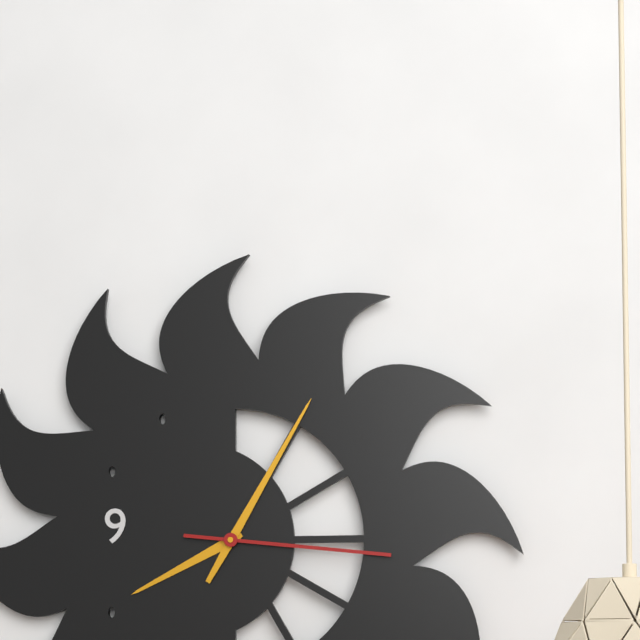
8 h 05 min 16 s
